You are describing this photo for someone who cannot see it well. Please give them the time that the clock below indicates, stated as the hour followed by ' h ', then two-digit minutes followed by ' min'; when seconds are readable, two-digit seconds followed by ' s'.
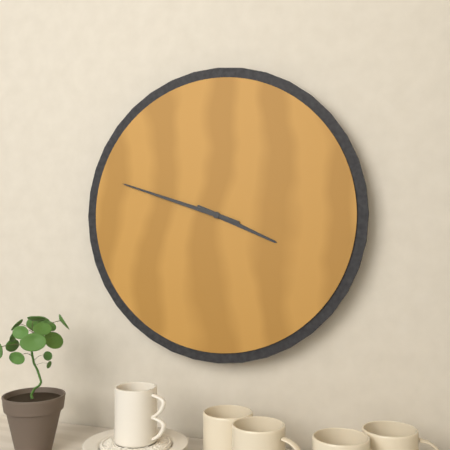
3 h 48 min
